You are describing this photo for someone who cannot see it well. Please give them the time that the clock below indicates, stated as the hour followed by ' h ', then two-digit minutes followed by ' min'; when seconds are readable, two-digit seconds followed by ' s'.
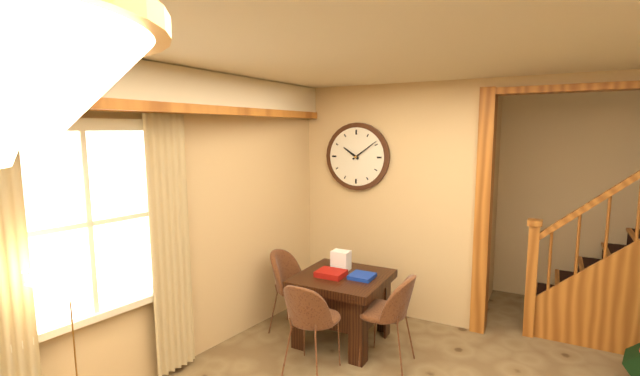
10 h 09 min
